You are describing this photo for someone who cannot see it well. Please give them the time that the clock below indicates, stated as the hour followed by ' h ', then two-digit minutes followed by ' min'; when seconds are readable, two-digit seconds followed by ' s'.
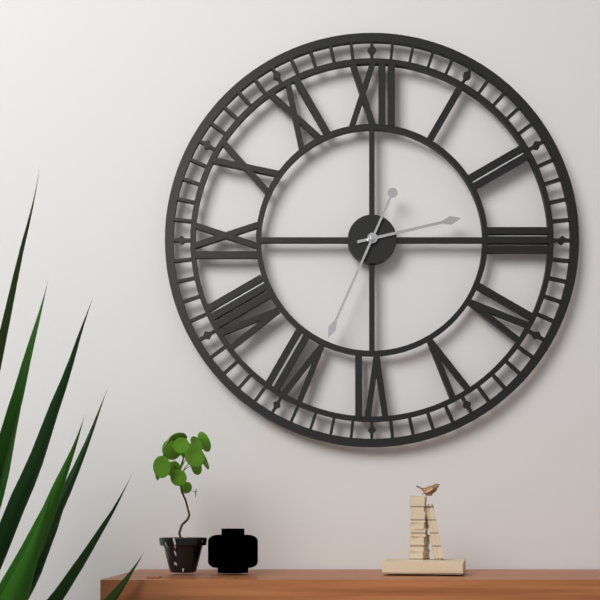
2 h 34 min
